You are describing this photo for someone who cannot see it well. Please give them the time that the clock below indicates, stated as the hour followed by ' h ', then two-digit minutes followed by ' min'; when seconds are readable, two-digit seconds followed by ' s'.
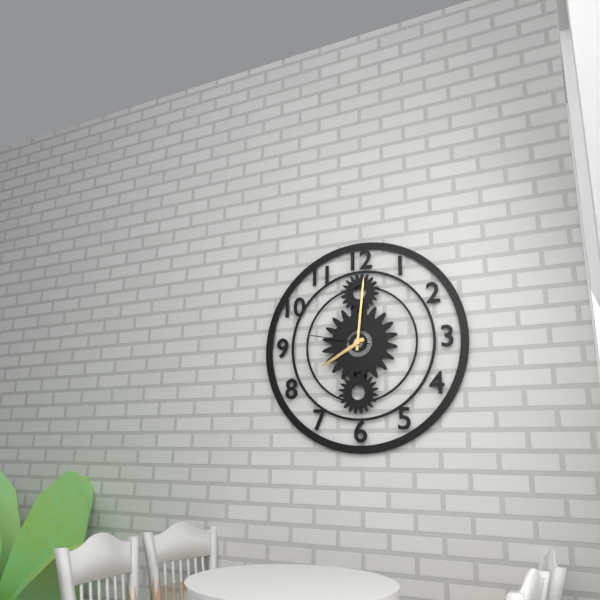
8 h 01 min 47 s
